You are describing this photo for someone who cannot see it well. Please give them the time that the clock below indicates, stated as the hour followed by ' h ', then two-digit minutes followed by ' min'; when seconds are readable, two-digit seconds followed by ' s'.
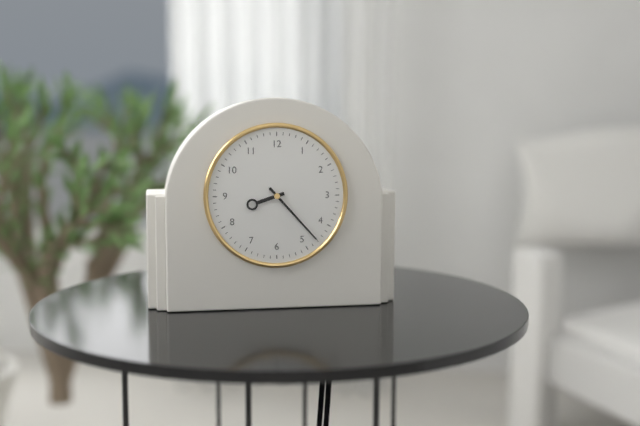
8 h 23 min
